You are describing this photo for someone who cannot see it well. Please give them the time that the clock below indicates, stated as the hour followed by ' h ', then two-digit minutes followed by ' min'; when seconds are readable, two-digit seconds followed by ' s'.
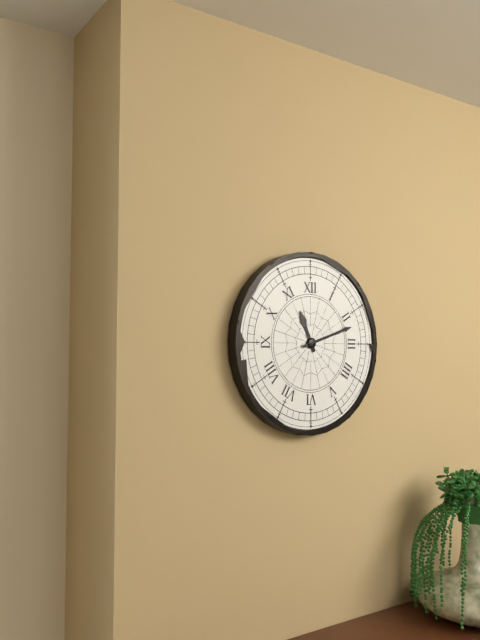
11 h 12 min
